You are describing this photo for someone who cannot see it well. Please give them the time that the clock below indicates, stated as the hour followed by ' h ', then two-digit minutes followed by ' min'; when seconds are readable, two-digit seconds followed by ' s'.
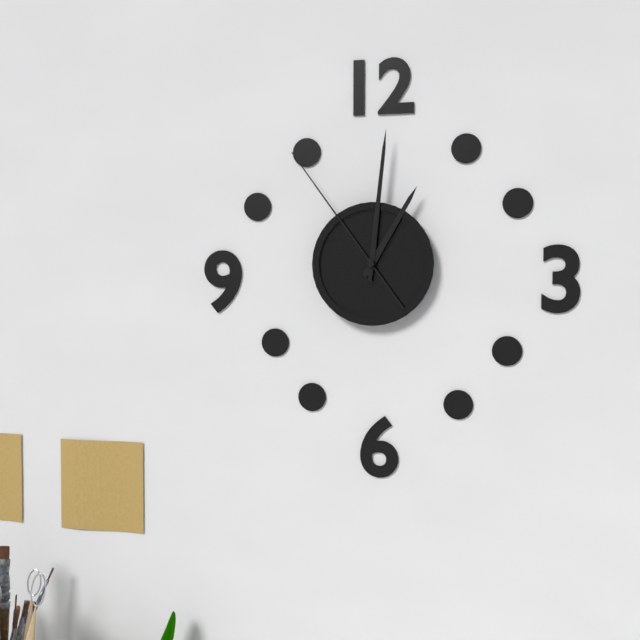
1 h 01 min 54 s
